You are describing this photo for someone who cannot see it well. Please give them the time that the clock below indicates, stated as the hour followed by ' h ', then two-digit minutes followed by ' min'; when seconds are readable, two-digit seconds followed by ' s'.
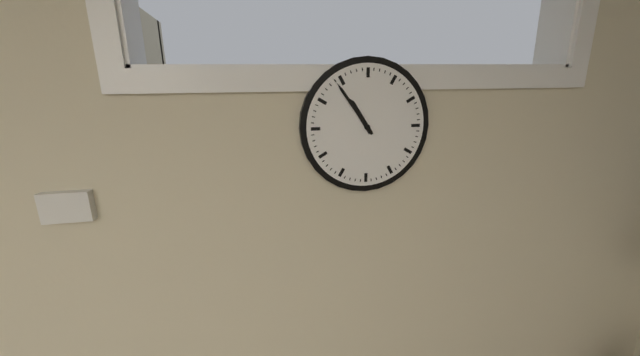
10 h 54 min
